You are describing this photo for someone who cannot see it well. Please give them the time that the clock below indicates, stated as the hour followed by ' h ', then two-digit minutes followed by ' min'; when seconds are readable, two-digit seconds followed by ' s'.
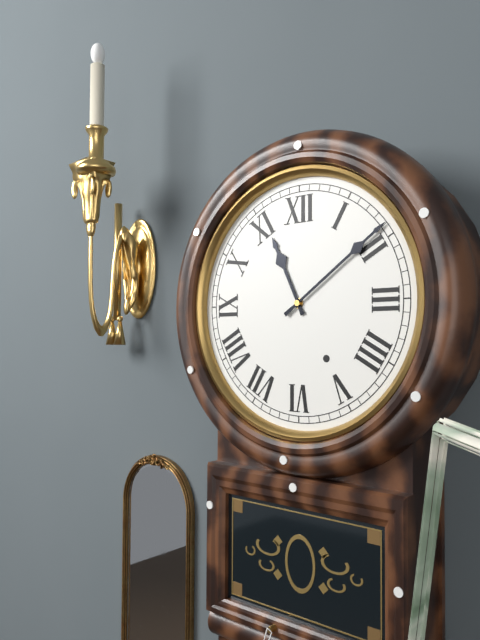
11 h 09 min
